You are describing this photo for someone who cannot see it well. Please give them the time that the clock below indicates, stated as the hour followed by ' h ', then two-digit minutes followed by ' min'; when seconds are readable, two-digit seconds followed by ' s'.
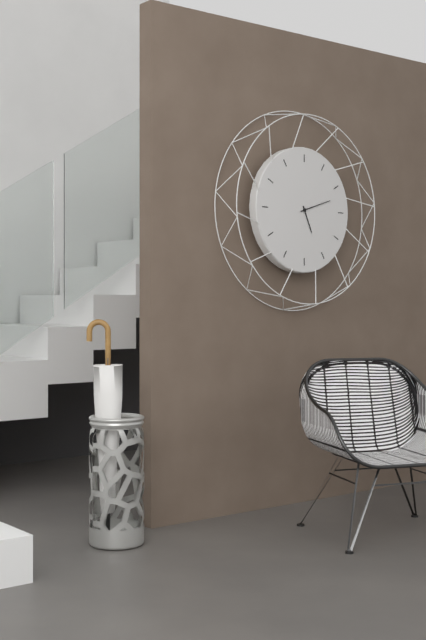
5 h 12 min
